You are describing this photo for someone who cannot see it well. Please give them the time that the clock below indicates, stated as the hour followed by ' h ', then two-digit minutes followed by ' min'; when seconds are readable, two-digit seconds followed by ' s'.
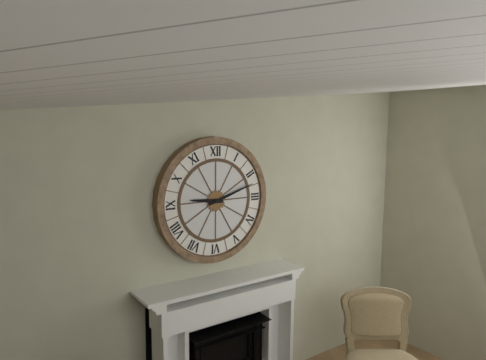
9 h 12 min
